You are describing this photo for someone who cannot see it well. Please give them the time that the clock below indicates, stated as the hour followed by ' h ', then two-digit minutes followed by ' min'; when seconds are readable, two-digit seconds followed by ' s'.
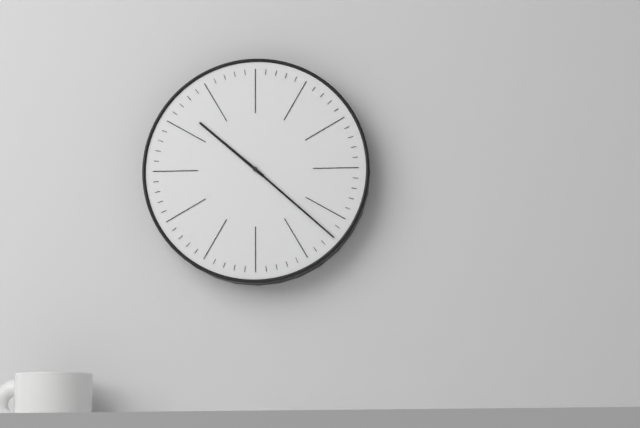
10 h 22 min
